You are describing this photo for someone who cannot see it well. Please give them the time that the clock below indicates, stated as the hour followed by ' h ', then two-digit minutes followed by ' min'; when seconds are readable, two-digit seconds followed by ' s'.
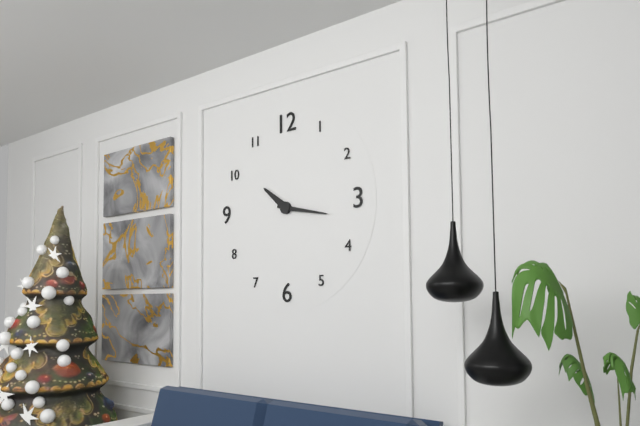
10 h 17 min
